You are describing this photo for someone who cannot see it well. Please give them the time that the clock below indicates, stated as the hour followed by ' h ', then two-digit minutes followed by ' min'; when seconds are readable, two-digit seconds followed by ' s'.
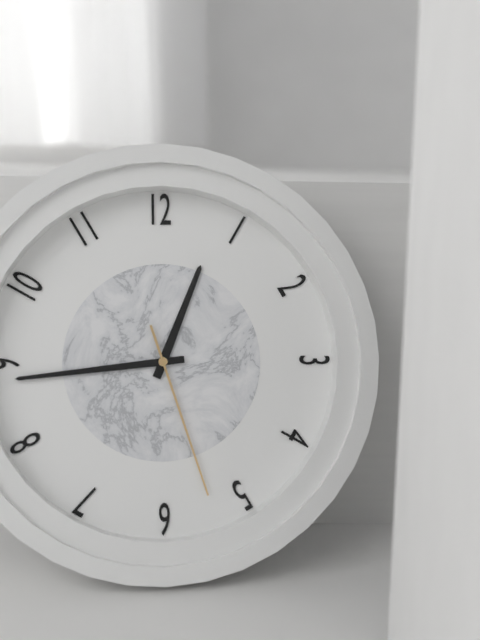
12 h 44 min 27 s
